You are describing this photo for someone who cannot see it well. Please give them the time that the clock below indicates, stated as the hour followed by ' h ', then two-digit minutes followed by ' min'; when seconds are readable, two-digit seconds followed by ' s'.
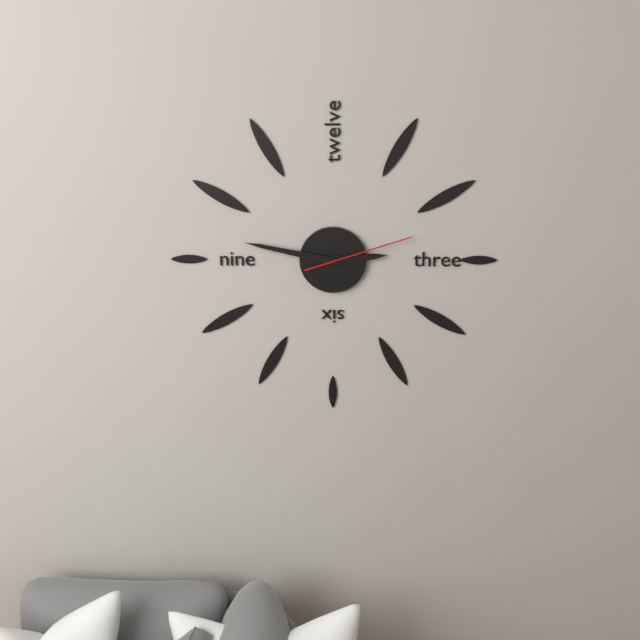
2 h 47 min 12 s
